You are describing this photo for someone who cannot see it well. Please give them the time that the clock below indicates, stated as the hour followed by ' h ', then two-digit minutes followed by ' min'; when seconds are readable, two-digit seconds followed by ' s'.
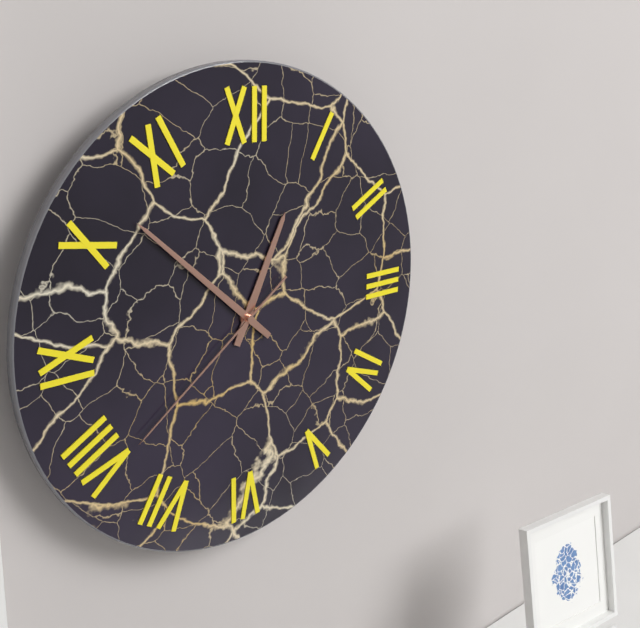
12 h 52 min 39 s
